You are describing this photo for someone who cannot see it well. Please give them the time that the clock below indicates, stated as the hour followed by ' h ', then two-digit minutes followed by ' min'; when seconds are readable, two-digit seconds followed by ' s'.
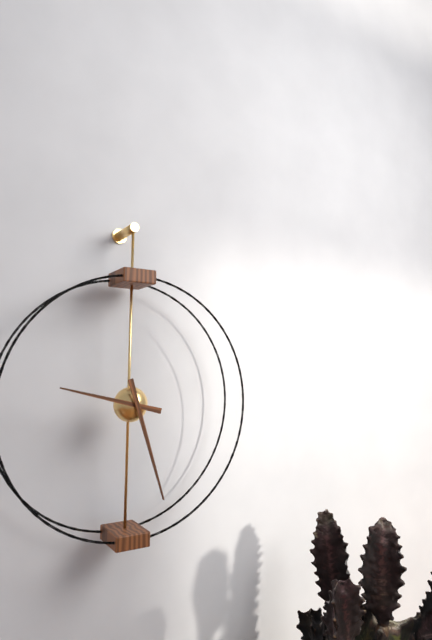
9 h 27 min
